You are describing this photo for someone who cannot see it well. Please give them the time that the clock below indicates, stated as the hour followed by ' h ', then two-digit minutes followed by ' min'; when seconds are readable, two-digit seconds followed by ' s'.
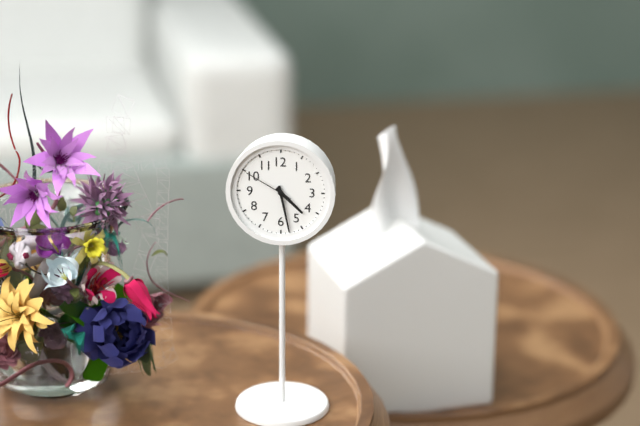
4 h 28 min 50 s
